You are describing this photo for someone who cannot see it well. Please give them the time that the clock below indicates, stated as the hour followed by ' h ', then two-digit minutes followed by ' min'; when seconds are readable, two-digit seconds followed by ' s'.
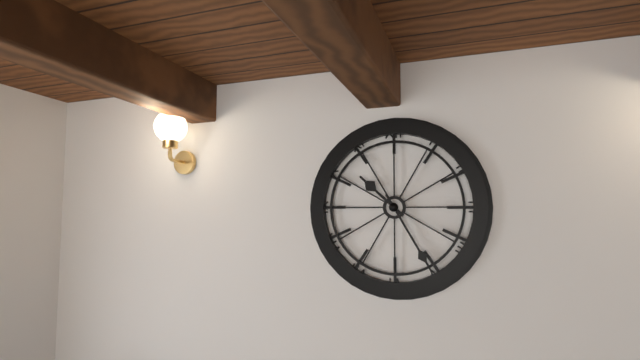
10 h 25 min
